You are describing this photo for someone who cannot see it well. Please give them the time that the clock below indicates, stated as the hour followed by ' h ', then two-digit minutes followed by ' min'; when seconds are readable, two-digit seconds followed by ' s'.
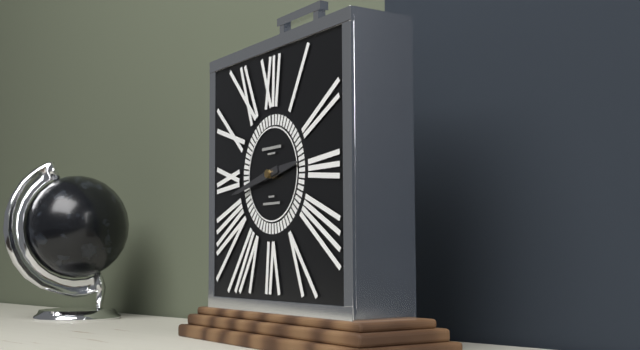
2 h 43 min
